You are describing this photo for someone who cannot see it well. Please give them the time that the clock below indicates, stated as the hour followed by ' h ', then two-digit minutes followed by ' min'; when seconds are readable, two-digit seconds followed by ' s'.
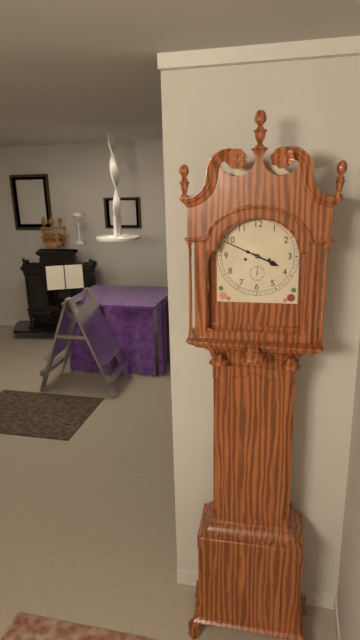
3 h 49 min
